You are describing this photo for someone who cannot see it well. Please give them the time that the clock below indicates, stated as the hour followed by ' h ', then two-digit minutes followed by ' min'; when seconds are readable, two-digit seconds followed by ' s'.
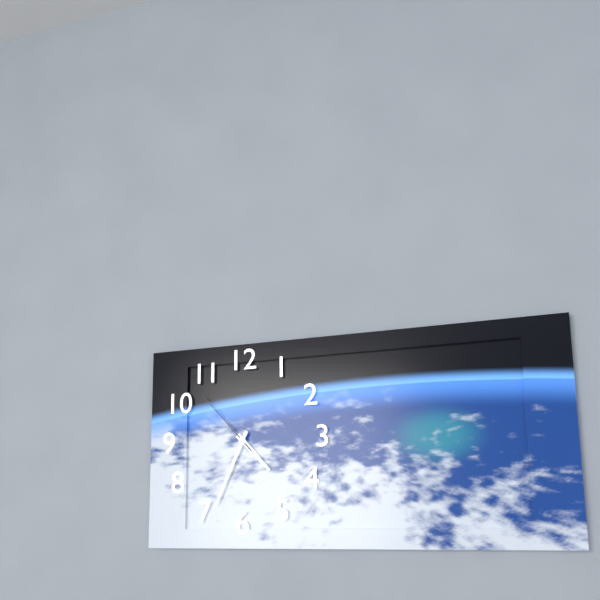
4 h 34 min 53 s
